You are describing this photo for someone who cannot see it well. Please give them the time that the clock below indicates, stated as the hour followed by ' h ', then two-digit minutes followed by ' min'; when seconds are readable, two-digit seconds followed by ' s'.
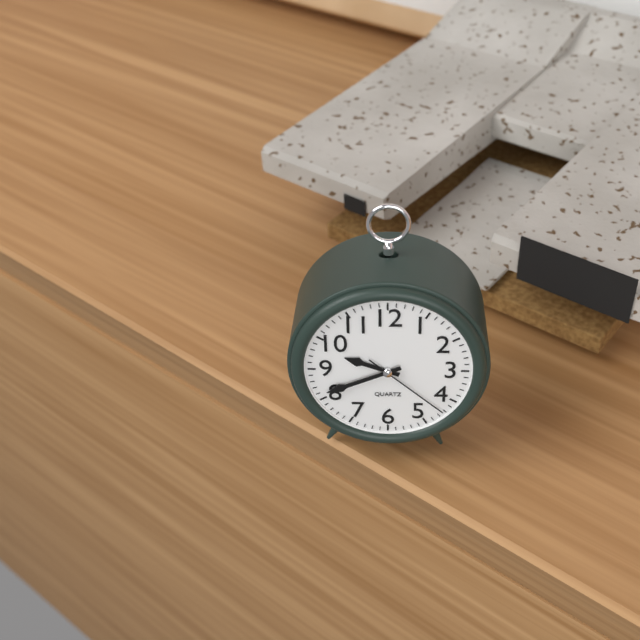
9 h 41 min 22 s
